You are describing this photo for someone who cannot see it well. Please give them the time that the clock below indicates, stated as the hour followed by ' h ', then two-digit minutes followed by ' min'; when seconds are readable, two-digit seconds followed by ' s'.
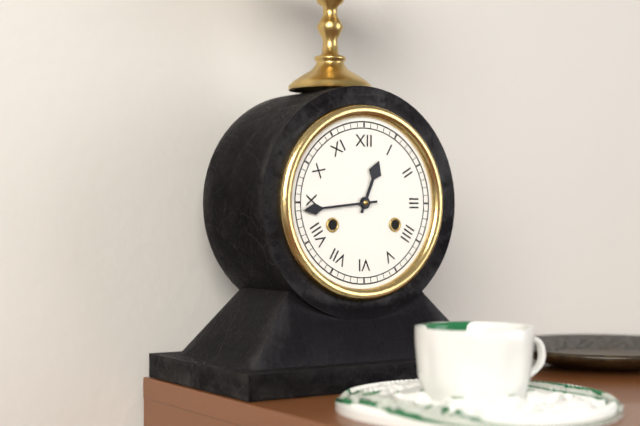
12 h 44 min
